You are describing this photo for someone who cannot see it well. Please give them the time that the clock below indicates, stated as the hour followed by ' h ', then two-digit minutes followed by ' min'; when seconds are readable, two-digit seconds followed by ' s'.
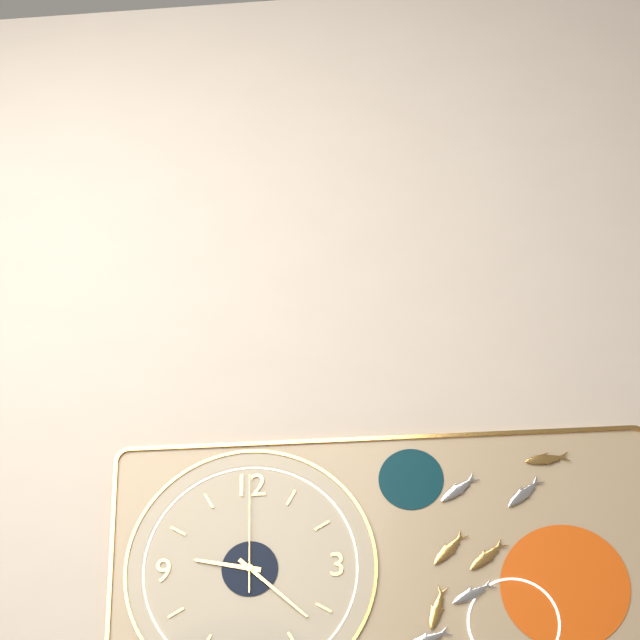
9 h 22 min 00 s
